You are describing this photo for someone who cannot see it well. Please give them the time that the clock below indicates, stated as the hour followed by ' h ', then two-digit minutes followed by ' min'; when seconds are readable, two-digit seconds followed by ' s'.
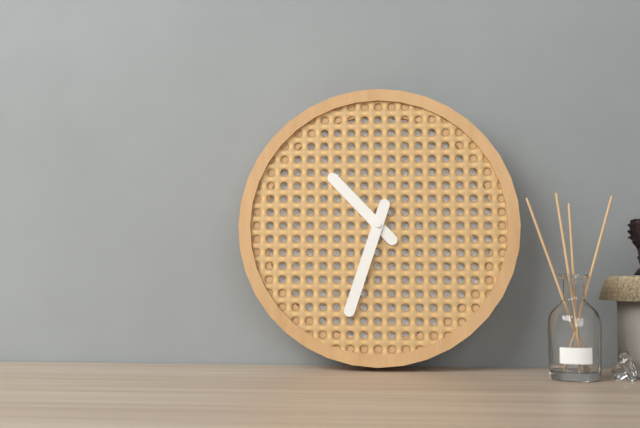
10 h 33 min
